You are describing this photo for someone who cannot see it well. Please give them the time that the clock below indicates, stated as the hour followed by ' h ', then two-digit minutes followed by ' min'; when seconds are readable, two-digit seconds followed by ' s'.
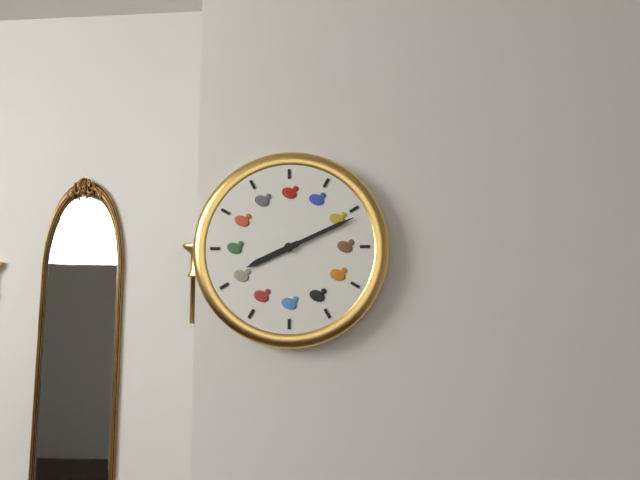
8 h 11 min
